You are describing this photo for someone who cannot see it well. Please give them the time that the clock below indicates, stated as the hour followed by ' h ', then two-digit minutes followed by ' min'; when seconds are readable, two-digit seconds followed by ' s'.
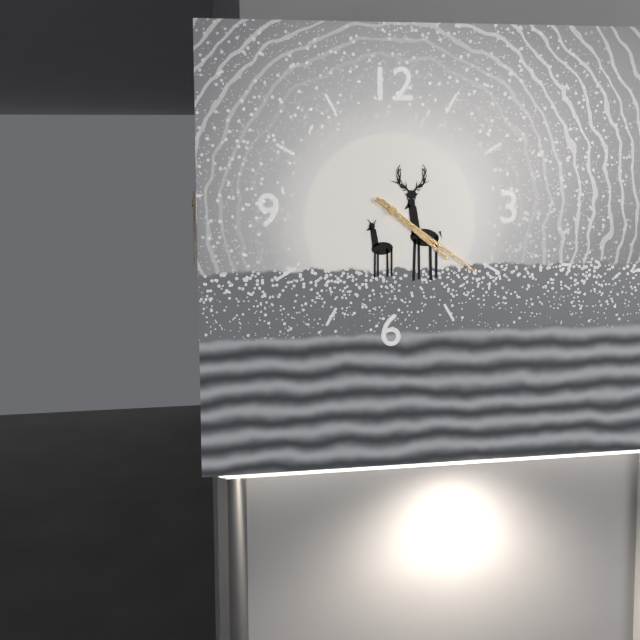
4 h 21 min
